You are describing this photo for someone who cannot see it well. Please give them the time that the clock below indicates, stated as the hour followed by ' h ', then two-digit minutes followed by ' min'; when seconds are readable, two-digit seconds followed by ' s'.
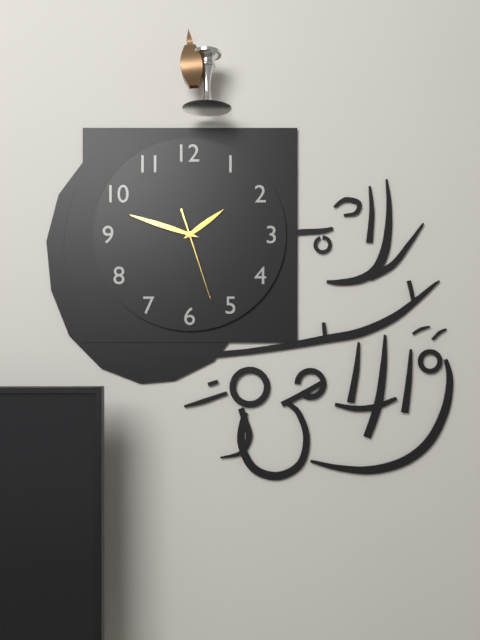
1 h 48 min 27 s
